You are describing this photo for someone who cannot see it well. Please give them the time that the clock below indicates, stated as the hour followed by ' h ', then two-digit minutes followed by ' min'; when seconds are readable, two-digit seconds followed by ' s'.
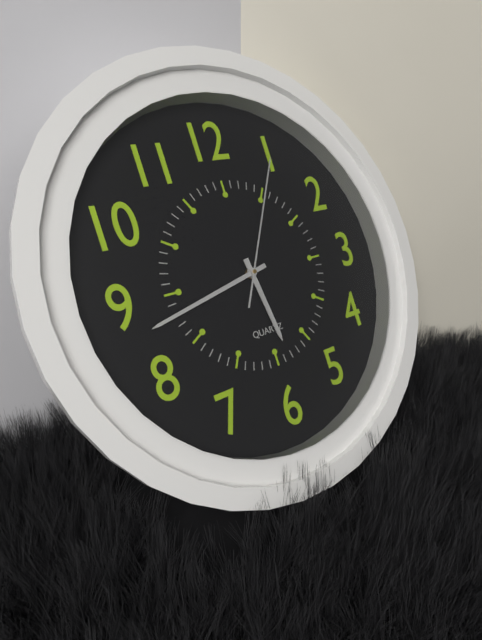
5 h 43 min 05 s
